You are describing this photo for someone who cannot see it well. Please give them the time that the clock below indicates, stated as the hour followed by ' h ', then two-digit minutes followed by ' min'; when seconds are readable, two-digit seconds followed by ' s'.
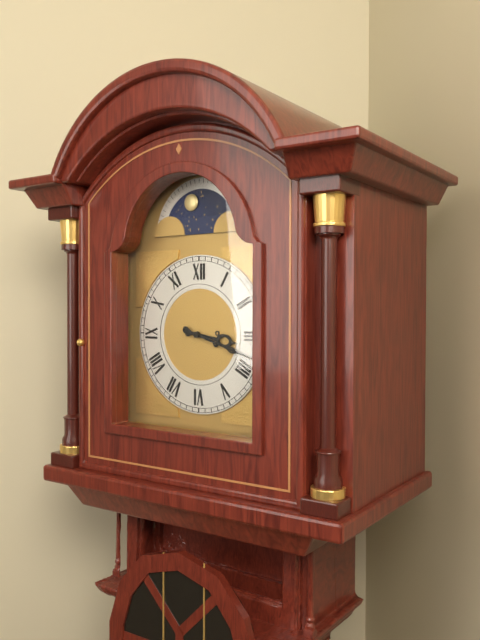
3 h 18 min
